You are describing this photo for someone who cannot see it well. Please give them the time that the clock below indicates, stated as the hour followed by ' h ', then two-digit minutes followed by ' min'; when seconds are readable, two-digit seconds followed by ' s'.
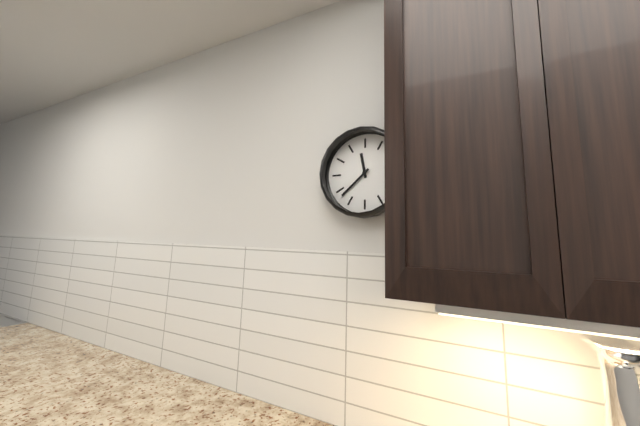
11 h 38 min
